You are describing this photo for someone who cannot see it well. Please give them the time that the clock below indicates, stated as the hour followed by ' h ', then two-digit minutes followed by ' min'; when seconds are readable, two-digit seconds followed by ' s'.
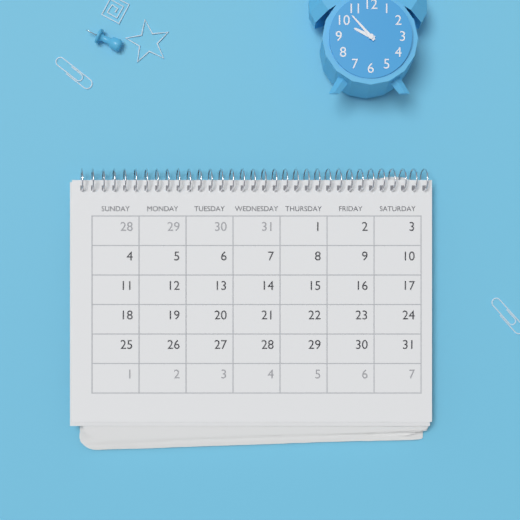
9 h 53 min
